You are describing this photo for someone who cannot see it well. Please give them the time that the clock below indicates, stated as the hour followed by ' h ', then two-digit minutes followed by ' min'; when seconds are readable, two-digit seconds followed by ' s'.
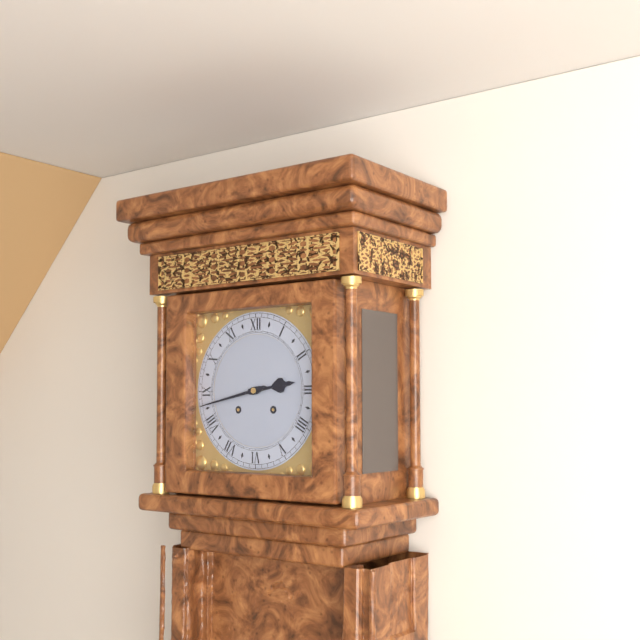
2 h 43 min
